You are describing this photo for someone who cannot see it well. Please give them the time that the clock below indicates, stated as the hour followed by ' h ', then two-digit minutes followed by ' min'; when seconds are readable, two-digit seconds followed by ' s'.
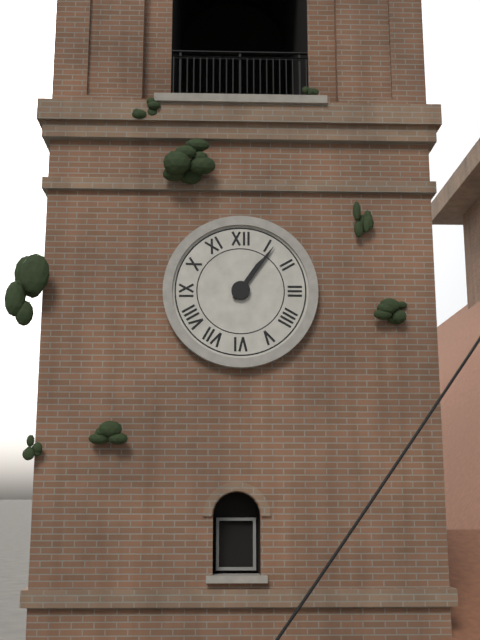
1 h 06 min
